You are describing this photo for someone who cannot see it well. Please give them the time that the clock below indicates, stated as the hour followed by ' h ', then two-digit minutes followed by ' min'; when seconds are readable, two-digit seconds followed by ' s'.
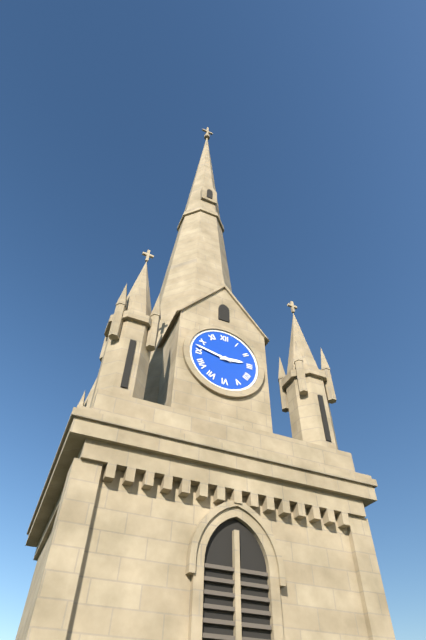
2 h 47 min
